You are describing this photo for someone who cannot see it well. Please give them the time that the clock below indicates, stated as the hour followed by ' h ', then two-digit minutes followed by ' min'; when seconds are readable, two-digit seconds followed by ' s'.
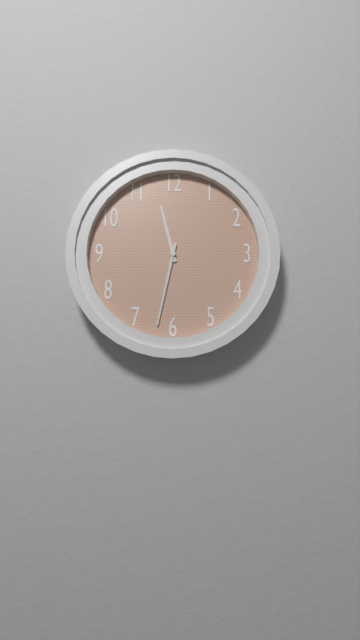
11 h 32 min
